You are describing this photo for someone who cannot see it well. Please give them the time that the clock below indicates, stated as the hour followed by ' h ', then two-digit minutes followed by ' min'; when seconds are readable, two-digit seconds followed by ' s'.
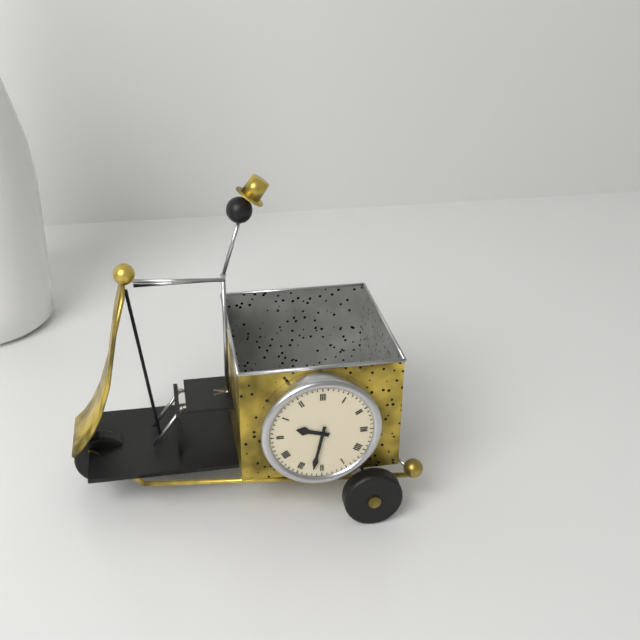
9 h 32 min
